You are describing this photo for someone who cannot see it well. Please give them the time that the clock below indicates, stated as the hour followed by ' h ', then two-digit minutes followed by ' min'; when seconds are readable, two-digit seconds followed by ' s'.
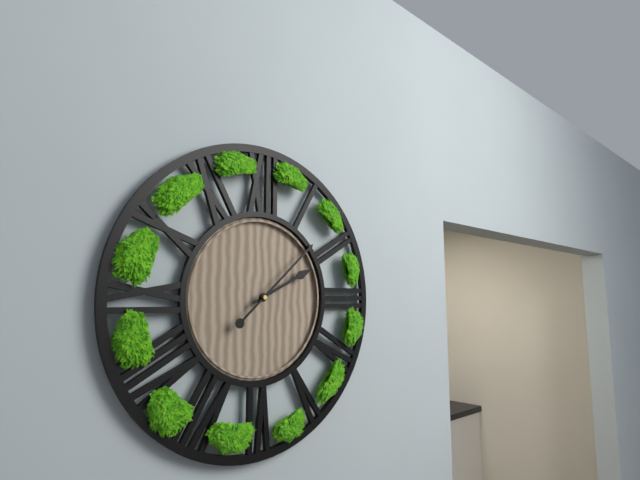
2 h 08 min
